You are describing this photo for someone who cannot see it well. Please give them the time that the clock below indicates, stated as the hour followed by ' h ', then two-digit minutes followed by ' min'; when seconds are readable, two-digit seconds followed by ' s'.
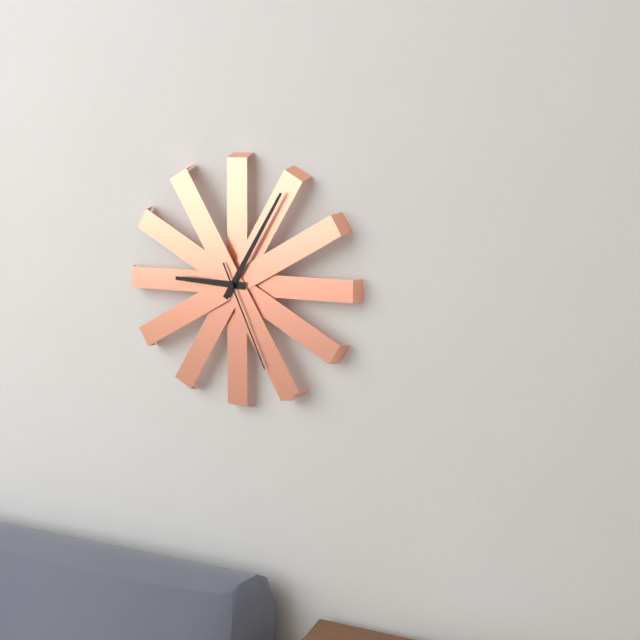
9 h 05 min 26 s
